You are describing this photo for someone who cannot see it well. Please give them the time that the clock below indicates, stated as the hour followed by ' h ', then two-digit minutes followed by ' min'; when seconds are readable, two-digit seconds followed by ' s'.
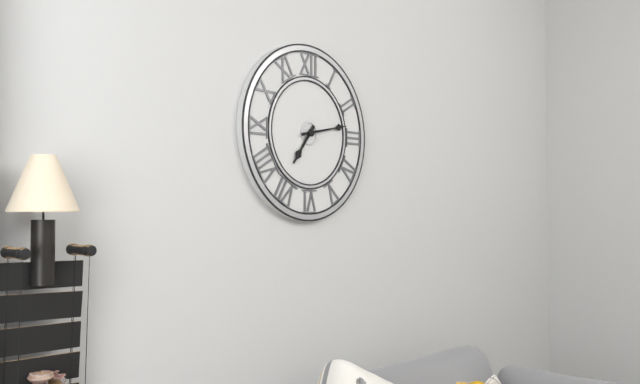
7 h 13 min
